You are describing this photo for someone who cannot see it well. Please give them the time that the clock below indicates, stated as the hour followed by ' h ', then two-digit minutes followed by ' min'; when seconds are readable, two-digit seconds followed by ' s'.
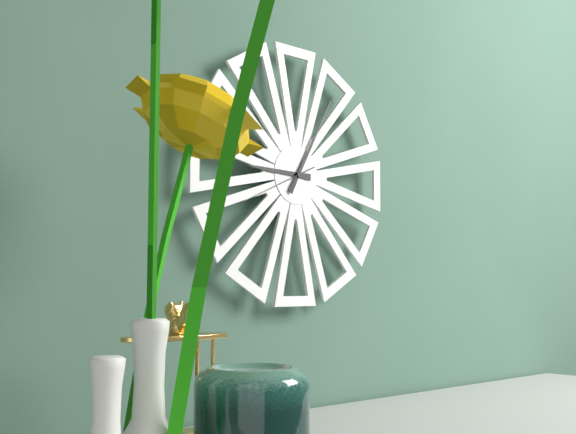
9 h 05 min 41 s
